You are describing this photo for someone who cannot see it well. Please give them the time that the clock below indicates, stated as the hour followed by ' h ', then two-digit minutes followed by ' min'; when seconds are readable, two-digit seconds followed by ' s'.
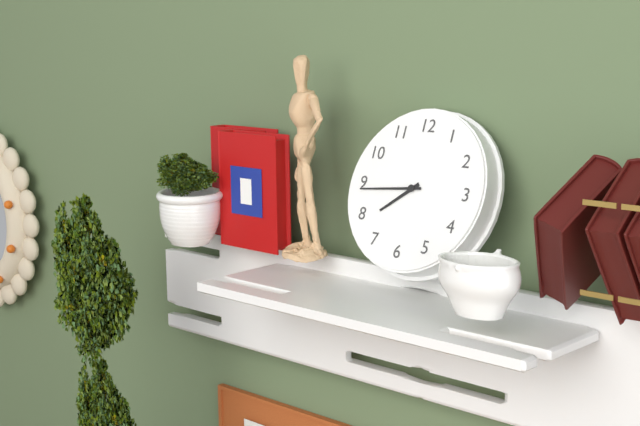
7 h 44 min
